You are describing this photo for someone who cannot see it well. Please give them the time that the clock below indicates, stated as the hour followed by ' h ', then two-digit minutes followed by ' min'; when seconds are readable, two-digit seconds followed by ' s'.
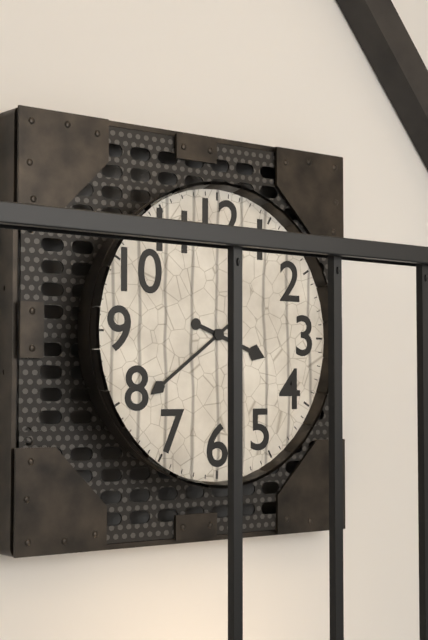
3 h 39 min
